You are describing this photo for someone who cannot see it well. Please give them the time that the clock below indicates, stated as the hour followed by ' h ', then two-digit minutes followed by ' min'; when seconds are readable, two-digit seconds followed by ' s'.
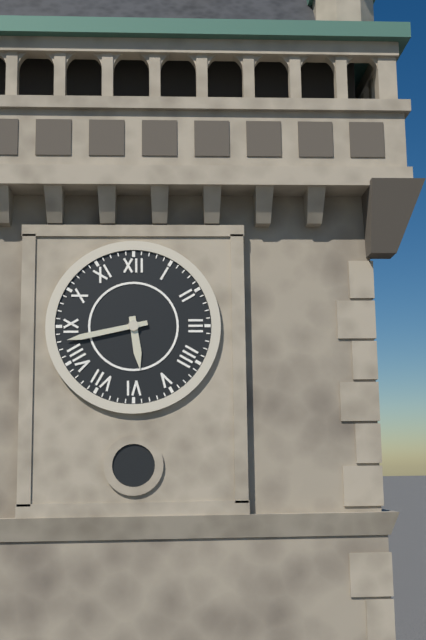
5 h 43 min
